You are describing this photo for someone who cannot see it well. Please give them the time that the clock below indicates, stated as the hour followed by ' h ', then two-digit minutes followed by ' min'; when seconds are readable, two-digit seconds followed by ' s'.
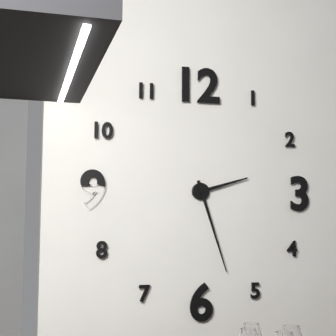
2 h 27 min
